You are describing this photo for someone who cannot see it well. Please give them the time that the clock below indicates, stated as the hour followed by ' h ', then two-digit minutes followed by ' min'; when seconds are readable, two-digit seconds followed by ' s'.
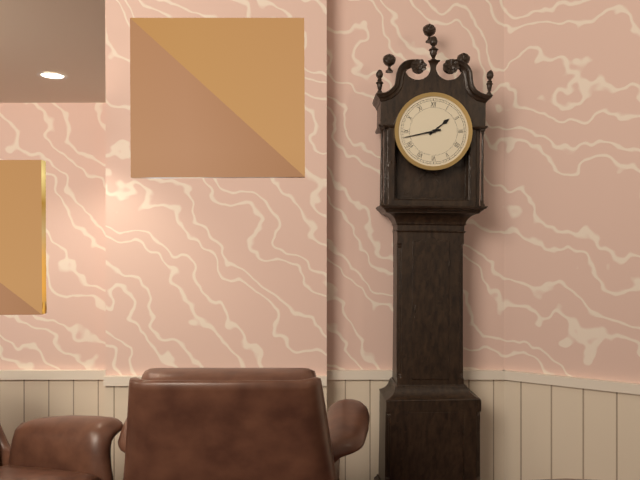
1 h 43 min
